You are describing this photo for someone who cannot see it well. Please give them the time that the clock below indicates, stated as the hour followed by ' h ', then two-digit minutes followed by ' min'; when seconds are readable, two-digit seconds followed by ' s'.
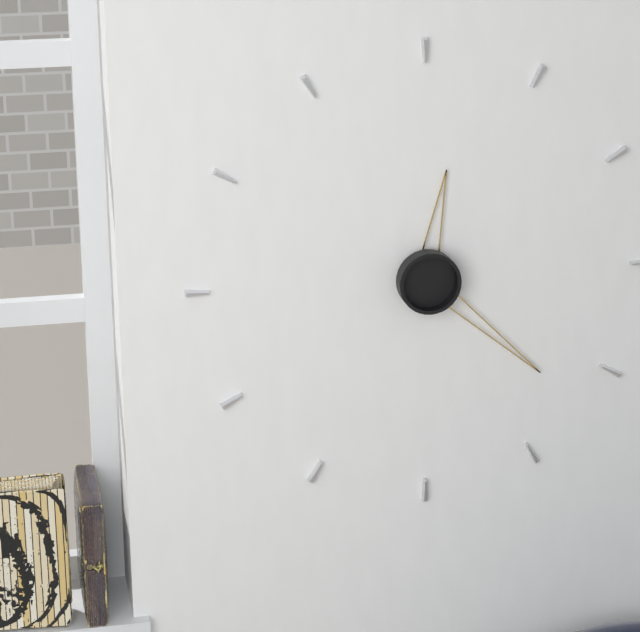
12 h 22 min
